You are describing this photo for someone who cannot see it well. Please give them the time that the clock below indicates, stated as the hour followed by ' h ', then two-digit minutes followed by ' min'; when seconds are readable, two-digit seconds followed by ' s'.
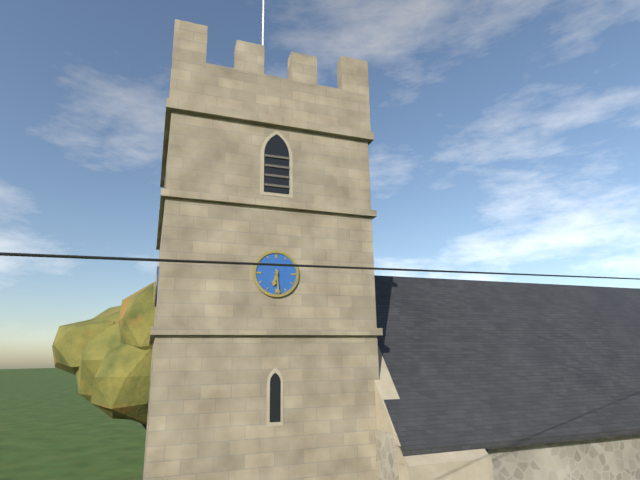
6 h 29 min
